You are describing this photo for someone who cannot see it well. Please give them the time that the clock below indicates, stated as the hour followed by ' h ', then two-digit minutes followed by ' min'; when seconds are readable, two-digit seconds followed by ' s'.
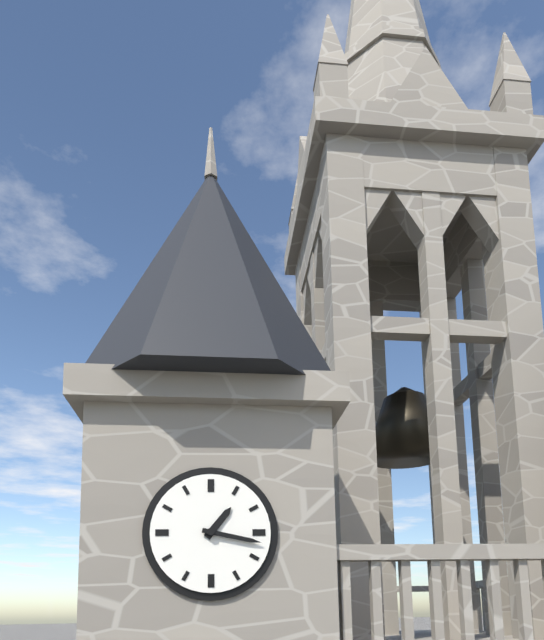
1 h 17 min
